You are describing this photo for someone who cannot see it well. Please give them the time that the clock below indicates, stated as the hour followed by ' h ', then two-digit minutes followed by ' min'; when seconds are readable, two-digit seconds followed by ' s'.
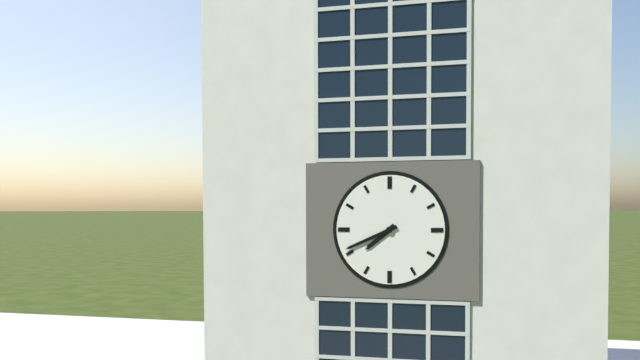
7 h 41 min
